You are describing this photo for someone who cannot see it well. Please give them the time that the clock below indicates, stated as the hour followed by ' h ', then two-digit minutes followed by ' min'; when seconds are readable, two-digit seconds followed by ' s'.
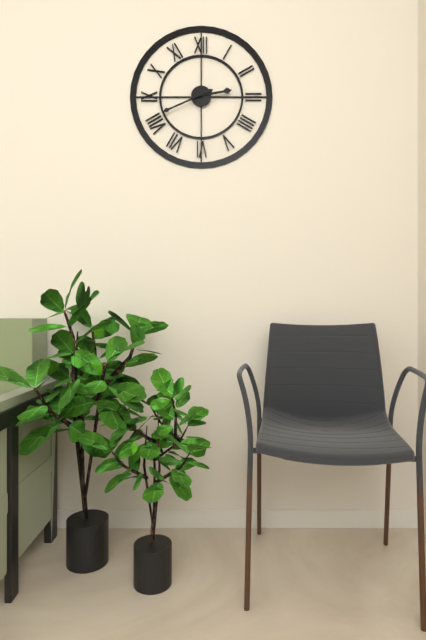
2 h 41 min
